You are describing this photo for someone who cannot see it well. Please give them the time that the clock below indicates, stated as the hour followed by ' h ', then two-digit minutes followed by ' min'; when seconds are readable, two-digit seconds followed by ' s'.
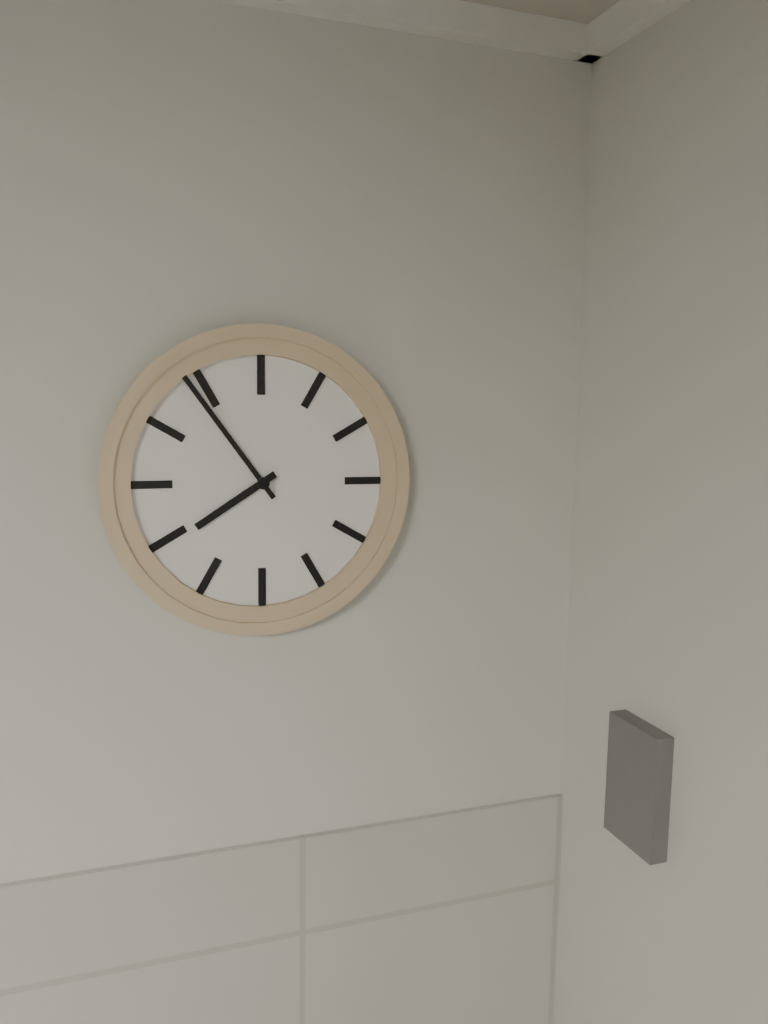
7 h 54 min
